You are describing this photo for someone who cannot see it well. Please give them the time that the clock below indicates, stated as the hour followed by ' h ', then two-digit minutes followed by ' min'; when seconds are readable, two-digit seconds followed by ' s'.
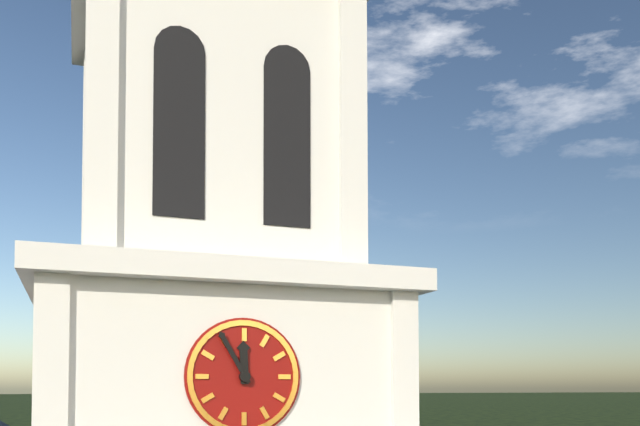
11 h 55 min
